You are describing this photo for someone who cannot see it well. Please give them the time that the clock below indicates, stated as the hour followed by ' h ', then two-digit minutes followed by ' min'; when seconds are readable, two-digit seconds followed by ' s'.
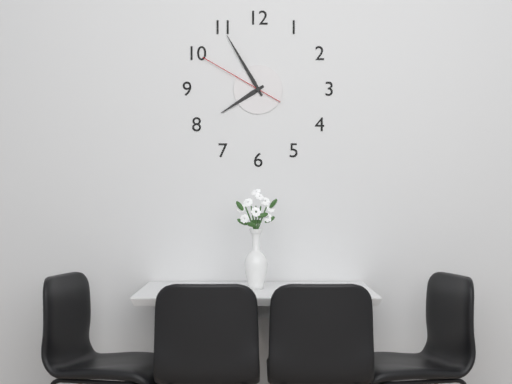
7 h 55 min 50 s
